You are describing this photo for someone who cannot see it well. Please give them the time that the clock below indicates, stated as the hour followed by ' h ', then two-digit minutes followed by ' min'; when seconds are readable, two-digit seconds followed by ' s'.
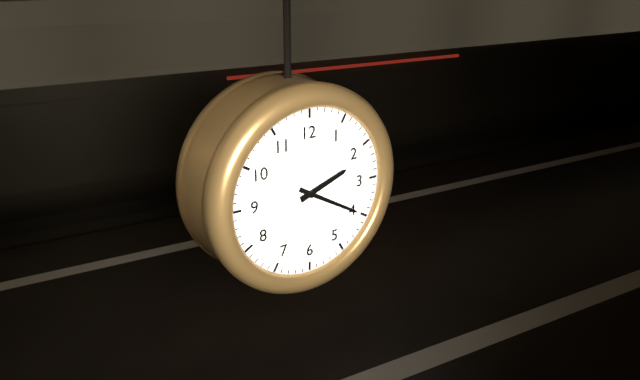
2 h 20 min
